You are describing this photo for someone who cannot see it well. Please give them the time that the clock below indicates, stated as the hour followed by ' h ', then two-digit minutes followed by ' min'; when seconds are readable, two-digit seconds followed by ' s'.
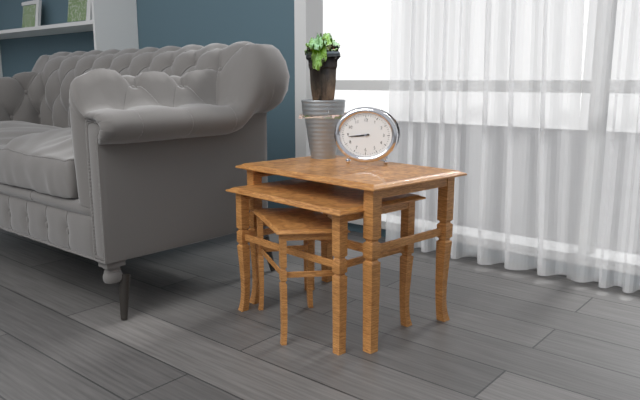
8 h 44 min
